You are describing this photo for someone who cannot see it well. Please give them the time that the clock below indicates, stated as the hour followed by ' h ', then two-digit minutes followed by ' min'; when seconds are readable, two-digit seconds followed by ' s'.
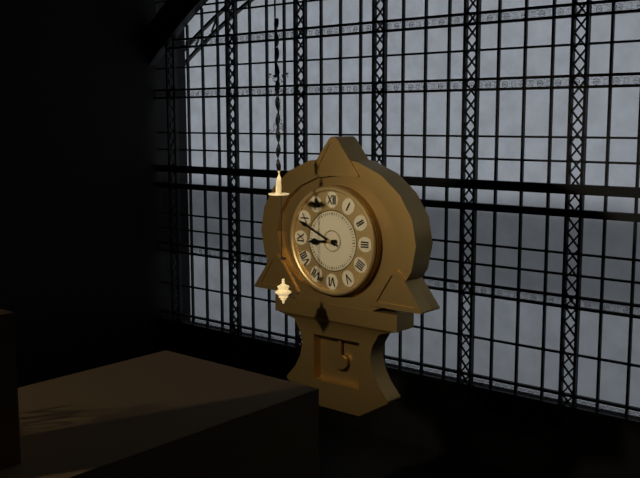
8 h 49 min
